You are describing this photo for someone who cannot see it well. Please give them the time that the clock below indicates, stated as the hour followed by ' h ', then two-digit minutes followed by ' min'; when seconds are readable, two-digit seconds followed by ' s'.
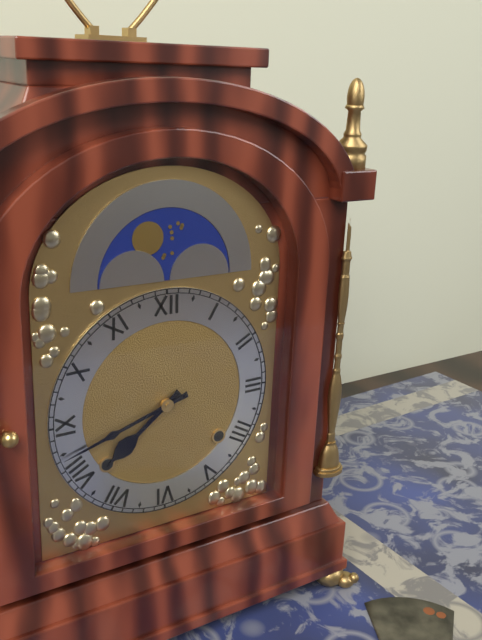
7 h 42 min
